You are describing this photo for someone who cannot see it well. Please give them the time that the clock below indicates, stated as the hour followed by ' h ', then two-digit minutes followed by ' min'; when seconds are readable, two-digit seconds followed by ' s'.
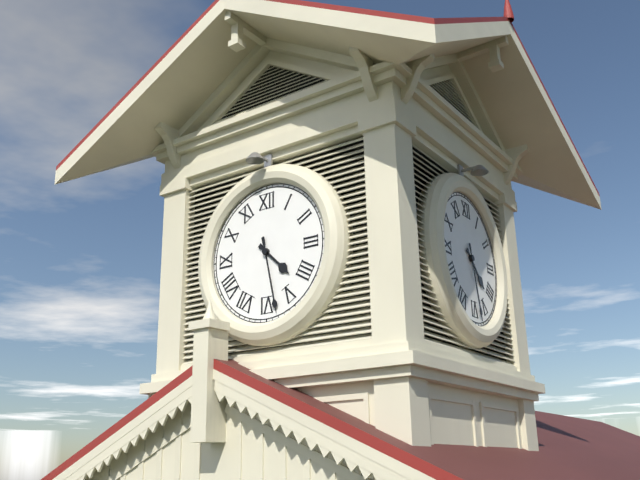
4 h 28 min
